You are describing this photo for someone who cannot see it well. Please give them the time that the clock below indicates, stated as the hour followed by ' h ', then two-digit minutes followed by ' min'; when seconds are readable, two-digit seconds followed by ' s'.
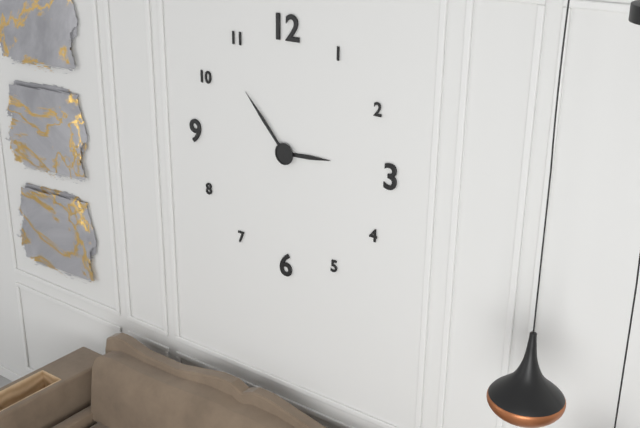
2 h 53 min
